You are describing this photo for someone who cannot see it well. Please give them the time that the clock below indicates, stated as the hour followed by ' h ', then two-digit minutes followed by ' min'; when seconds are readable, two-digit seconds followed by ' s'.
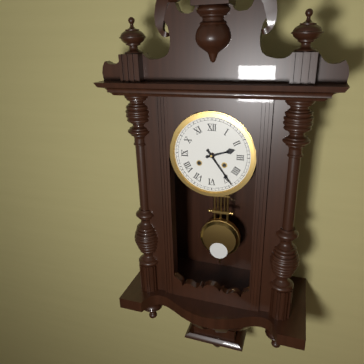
2 h 24 min
